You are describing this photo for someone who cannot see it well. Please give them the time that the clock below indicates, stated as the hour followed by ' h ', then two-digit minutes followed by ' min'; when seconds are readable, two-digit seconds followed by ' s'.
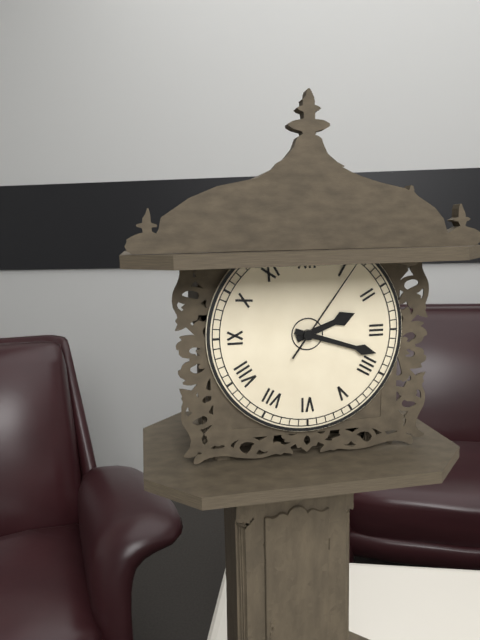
2 h 18 min 06 s
